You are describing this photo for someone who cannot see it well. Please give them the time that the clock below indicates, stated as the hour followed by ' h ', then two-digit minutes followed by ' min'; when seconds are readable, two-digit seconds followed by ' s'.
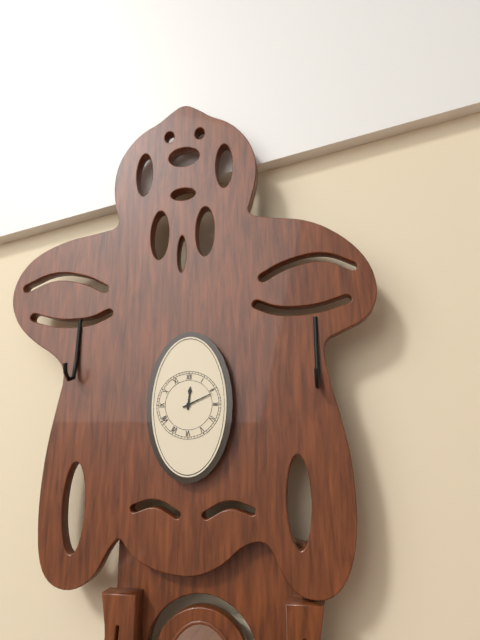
12 h 11 min
